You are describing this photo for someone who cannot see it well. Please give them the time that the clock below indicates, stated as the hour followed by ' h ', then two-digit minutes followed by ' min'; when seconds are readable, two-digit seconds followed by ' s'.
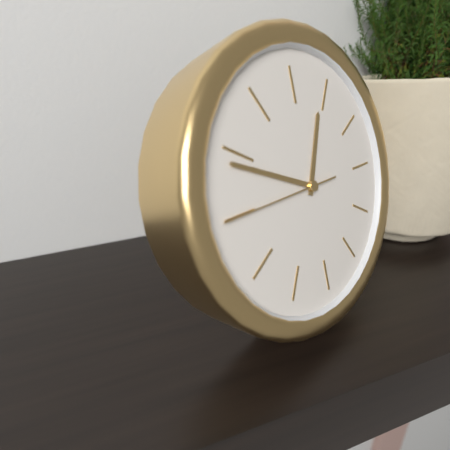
12 h 49 min 45 s
